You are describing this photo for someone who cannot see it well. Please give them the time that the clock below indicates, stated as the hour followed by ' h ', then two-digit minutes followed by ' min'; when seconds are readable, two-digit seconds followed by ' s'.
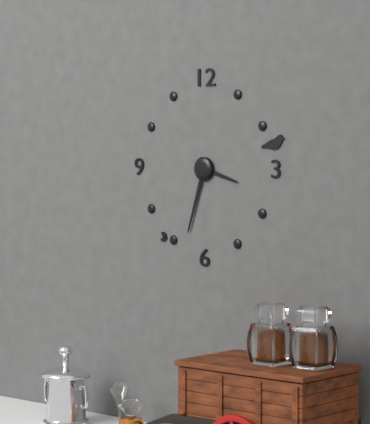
3 h 33 min
